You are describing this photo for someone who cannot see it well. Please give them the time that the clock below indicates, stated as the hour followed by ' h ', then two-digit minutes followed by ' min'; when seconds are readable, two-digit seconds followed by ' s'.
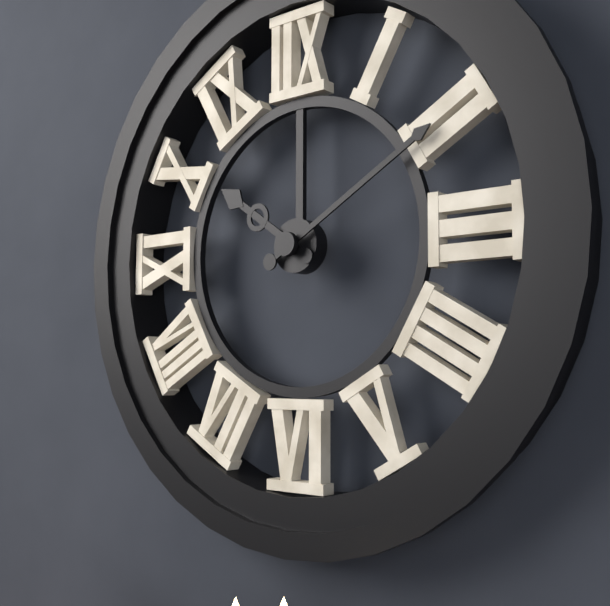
10 h 10 min
